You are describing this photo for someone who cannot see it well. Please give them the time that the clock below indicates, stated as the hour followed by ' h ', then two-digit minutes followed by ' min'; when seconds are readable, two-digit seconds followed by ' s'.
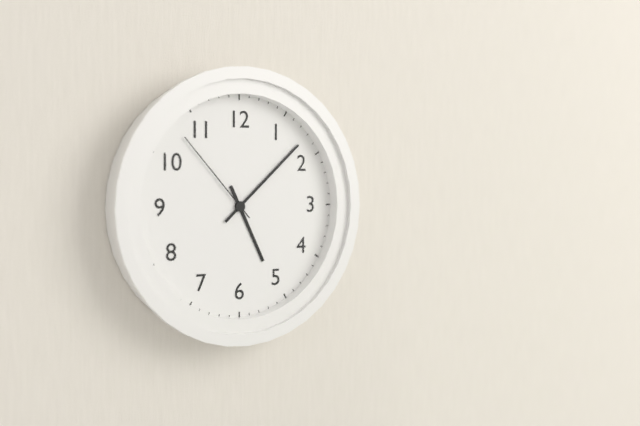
5 h 08 min 53 s
